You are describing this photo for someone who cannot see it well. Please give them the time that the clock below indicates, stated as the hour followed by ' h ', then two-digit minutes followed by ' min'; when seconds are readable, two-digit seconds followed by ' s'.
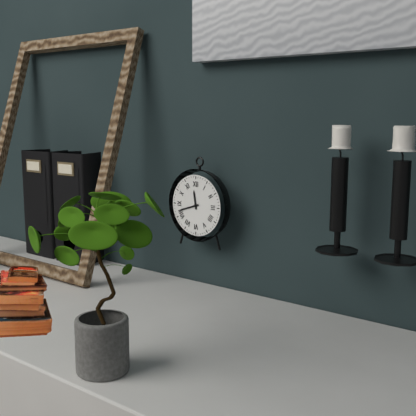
11 h 42 min
